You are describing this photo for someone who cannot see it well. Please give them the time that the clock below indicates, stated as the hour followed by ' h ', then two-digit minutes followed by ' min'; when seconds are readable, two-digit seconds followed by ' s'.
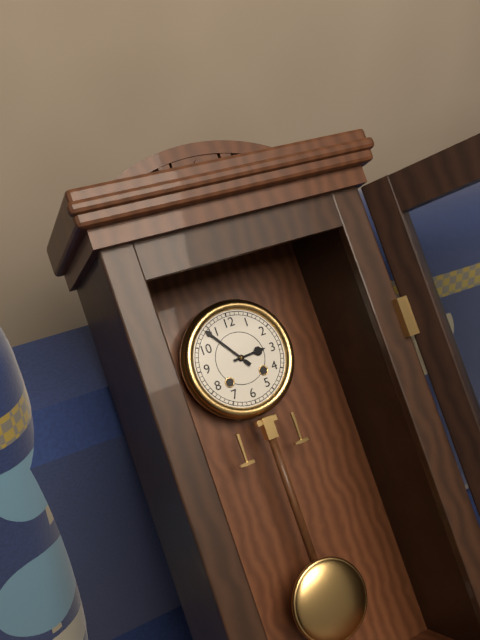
2 h 54 min
